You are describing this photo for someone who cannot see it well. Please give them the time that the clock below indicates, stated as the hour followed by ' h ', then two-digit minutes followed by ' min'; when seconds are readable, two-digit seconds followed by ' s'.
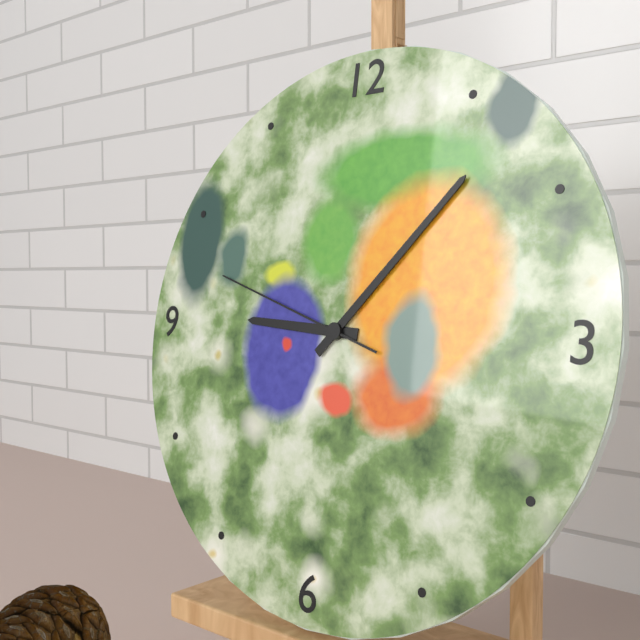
9 h 07 min 48 s
